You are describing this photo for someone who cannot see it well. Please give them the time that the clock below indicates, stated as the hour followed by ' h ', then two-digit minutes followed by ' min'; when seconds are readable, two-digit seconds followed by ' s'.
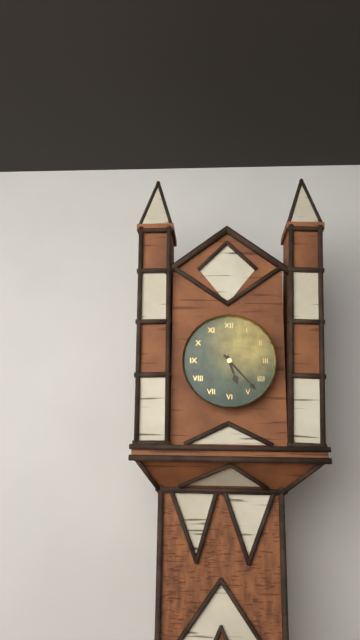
5 h 23 min
